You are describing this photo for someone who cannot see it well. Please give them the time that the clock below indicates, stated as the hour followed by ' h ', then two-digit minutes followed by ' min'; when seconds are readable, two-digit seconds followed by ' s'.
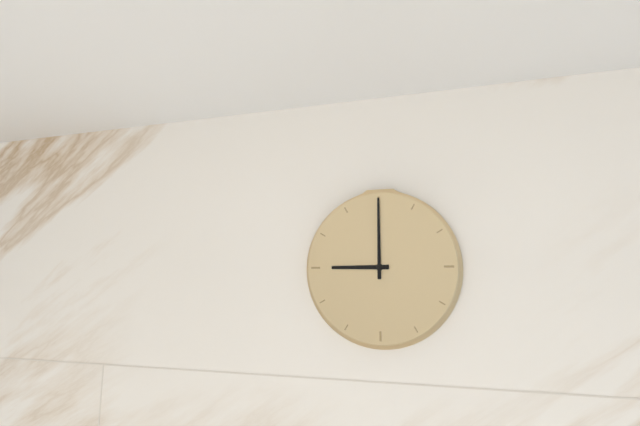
9 h 00 min
